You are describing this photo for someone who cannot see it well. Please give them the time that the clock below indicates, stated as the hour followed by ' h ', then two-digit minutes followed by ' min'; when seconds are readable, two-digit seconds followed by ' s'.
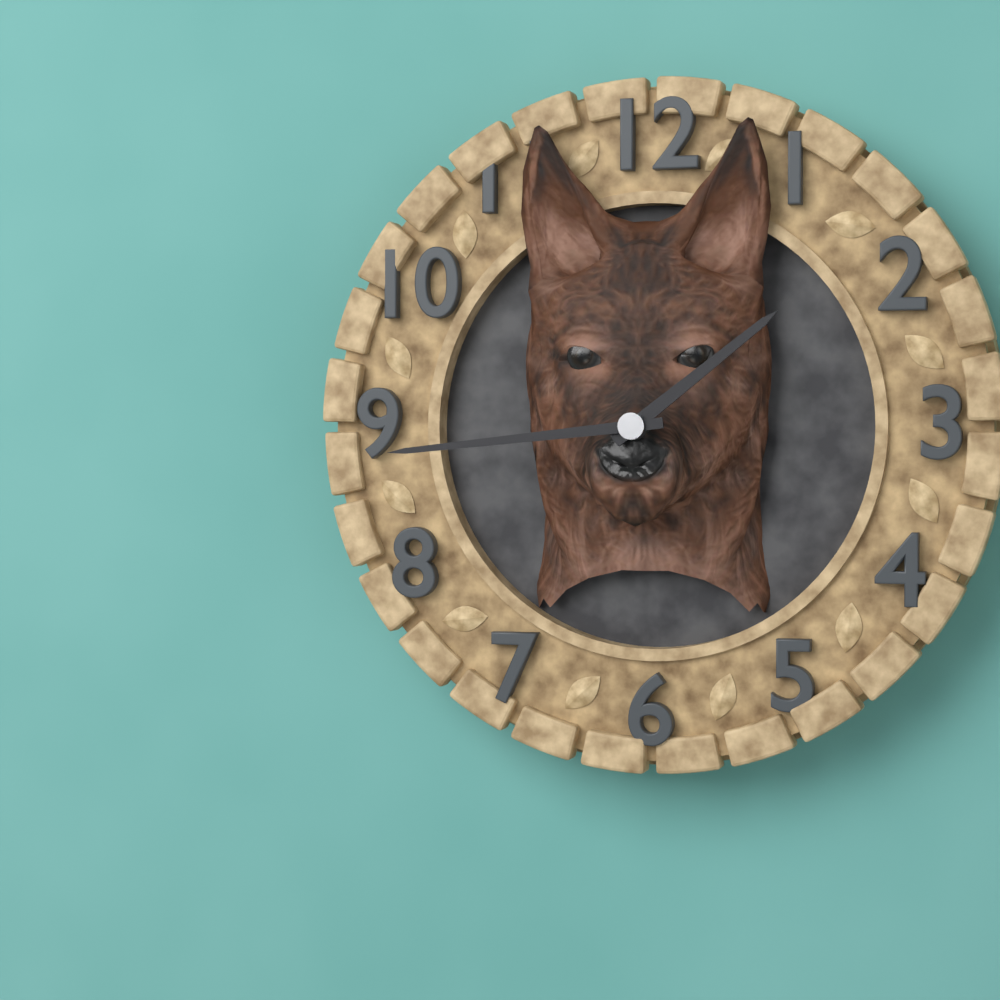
1 h 44 min
